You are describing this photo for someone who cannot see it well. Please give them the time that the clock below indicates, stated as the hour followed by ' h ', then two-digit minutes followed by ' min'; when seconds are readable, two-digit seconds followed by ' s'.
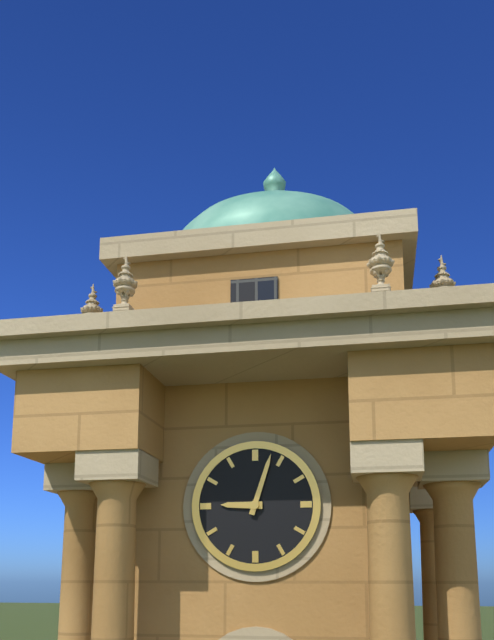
9 h 03 min
